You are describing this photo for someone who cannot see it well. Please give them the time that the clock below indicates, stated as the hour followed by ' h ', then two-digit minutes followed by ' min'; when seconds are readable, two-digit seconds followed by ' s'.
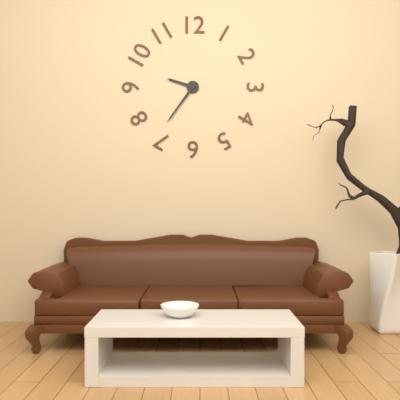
9 h 36 min
